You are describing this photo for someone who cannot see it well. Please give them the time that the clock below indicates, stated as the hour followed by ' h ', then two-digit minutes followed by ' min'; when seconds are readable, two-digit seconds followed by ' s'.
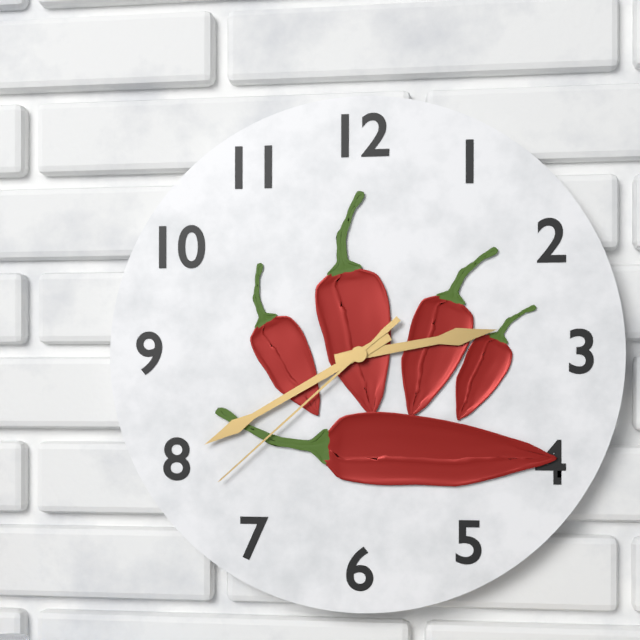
2 h 40 min 38 s
